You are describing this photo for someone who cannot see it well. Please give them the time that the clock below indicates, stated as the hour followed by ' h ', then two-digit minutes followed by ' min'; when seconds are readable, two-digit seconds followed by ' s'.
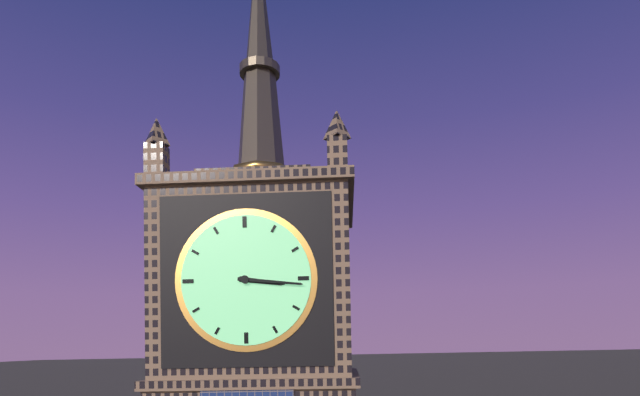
3 h 16 min
